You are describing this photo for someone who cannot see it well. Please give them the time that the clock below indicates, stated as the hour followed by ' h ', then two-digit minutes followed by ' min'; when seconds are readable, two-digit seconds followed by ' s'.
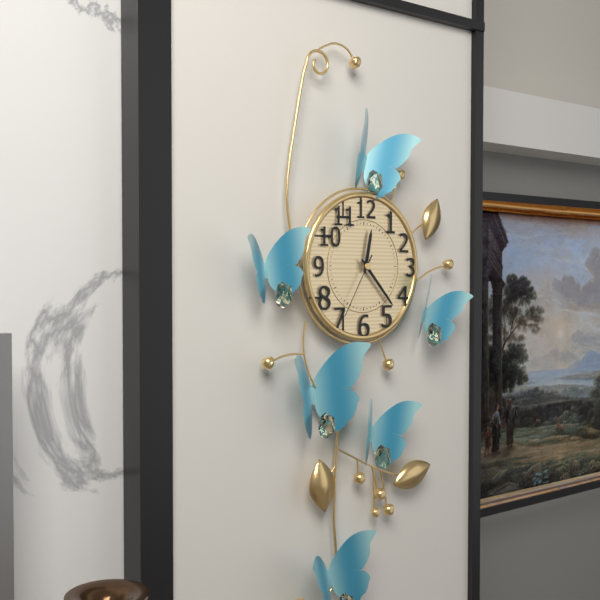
12 h 23 min 35 s
